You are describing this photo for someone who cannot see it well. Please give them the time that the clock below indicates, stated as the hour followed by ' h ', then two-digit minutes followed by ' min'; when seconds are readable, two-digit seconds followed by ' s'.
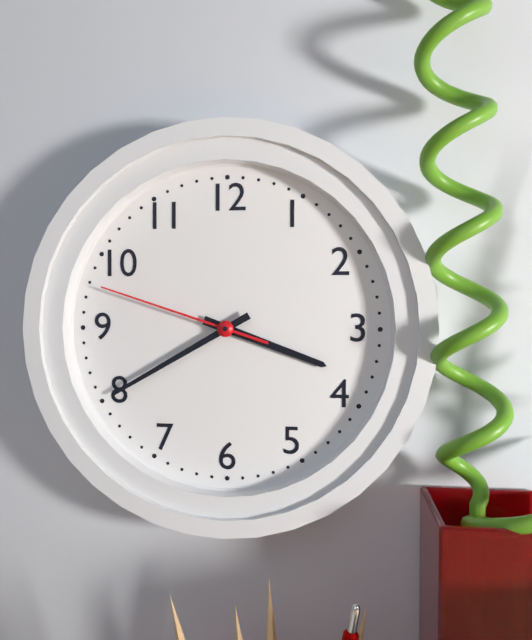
3 h 40 min 48 s
